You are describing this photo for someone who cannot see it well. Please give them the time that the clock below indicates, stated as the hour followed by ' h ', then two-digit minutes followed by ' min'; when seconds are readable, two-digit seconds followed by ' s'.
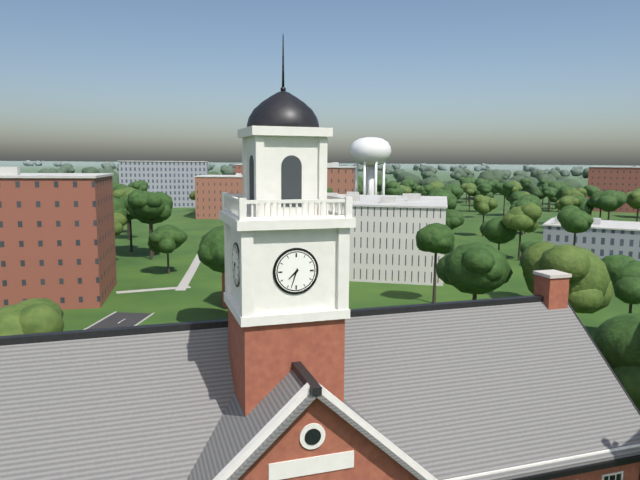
7 h 33 min
